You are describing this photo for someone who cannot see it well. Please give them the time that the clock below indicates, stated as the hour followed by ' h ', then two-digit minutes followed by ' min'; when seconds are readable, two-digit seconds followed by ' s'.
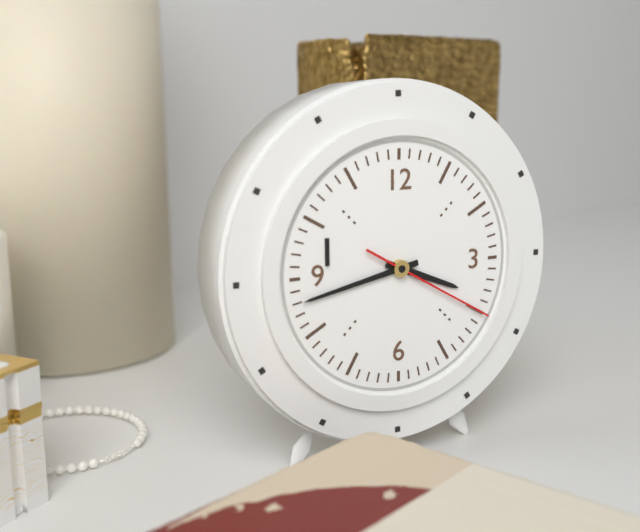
3 h 43 min 20 s
